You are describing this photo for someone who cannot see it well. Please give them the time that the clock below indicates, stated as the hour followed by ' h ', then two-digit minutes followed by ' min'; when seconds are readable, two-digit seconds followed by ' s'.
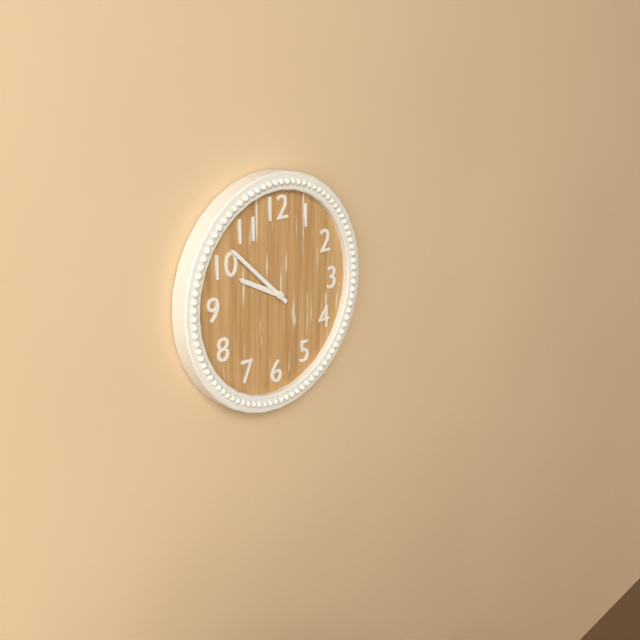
9 h 52 min
